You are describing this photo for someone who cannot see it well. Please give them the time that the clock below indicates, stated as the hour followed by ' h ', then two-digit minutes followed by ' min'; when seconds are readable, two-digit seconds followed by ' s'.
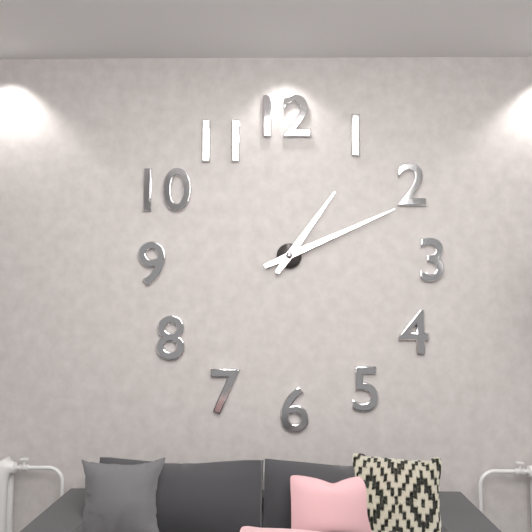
1 h 11 min
